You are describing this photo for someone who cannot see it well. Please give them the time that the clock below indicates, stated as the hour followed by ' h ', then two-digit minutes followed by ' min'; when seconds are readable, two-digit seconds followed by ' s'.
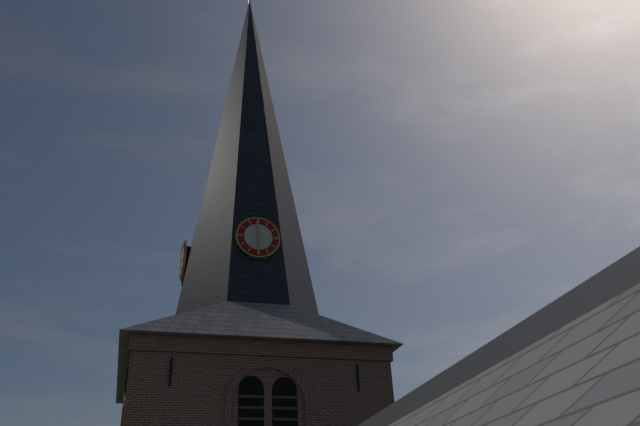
5 h 59 min
